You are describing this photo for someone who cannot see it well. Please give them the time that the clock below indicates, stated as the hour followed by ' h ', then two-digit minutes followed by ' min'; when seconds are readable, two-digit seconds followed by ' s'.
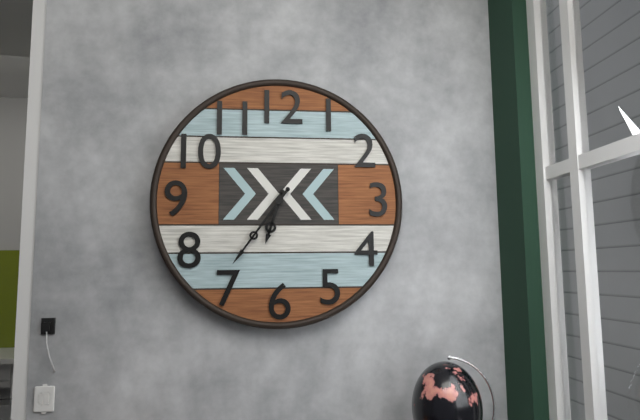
6 h 36 min
